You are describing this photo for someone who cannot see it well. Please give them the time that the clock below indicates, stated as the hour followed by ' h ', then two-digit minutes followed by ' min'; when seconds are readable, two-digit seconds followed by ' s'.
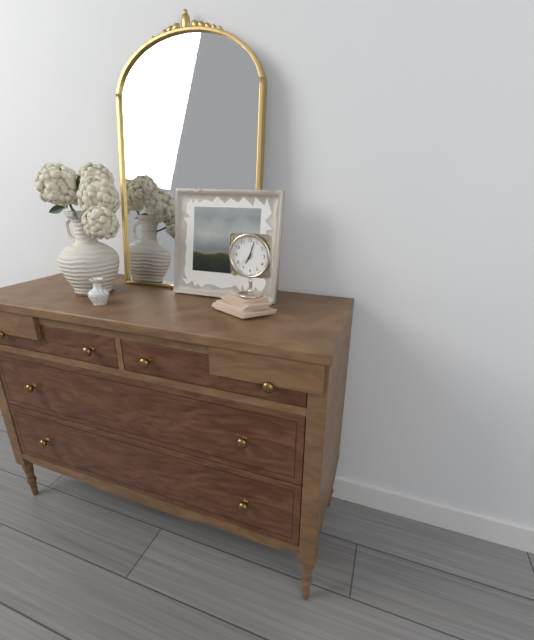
7 h 03 min
